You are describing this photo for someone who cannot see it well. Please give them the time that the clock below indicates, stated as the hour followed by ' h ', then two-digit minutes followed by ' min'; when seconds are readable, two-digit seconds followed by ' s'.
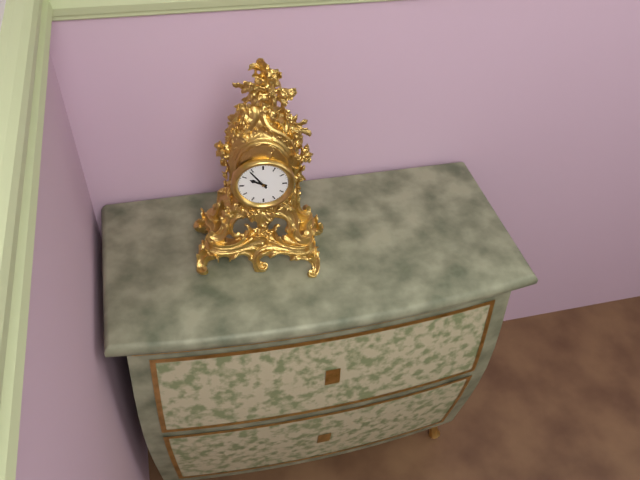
9 h 54 min
